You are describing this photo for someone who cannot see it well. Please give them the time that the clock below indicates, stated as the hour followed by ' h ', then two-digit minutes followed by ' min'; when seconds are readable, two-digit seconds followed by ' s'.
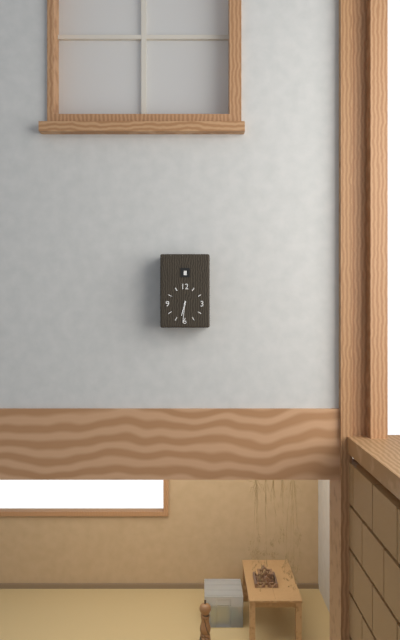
6 h 31 min
